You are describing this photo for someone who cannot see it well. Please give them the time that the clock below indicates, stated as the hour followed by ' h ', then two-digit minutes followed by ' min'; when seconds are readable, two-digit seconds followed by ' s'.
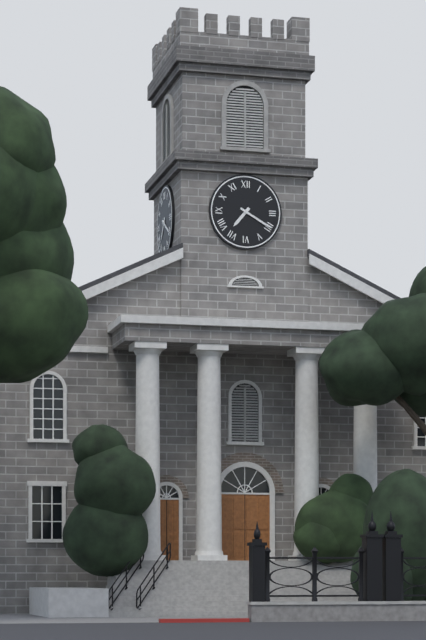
7 h 20 min
